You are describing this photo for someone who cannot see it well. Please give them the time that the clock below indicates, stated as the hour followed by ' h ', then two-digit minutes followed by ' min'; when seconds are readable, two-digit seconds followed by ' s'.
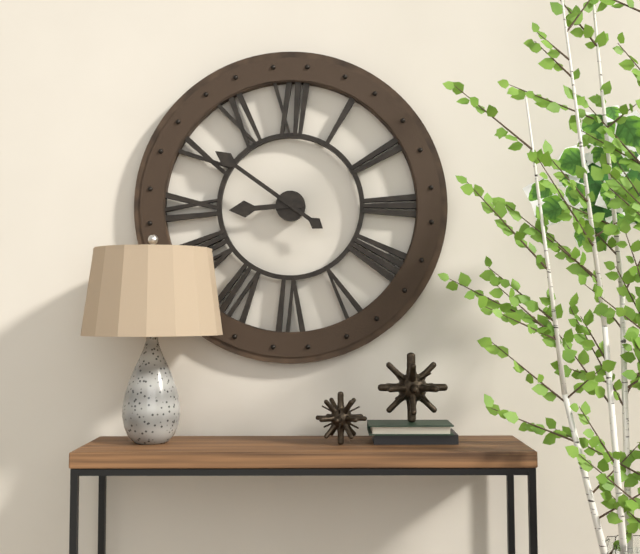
8 h 51 min
